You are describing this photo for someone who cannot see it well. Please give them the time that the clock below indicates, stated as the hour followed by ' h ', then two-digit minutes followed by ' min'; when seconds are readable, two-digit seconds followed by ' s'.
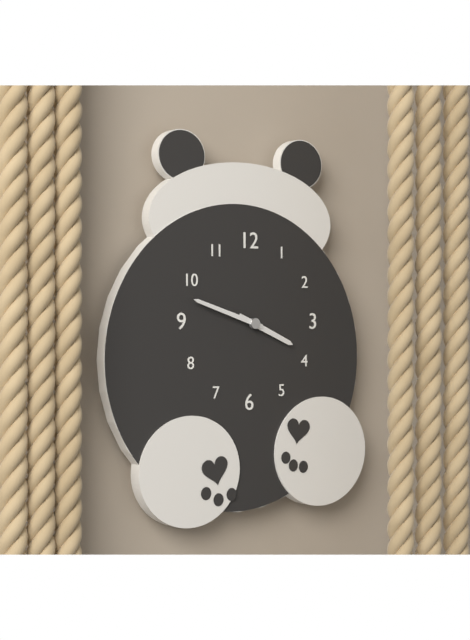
3 h 48 min
